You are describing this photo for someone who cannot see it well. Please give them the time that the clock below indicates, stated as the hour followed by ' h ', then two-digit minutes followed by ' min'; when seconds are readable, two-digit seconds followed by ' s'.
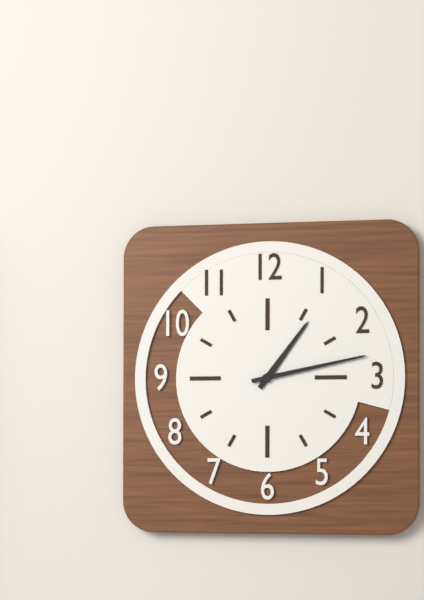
1 h 13 min
